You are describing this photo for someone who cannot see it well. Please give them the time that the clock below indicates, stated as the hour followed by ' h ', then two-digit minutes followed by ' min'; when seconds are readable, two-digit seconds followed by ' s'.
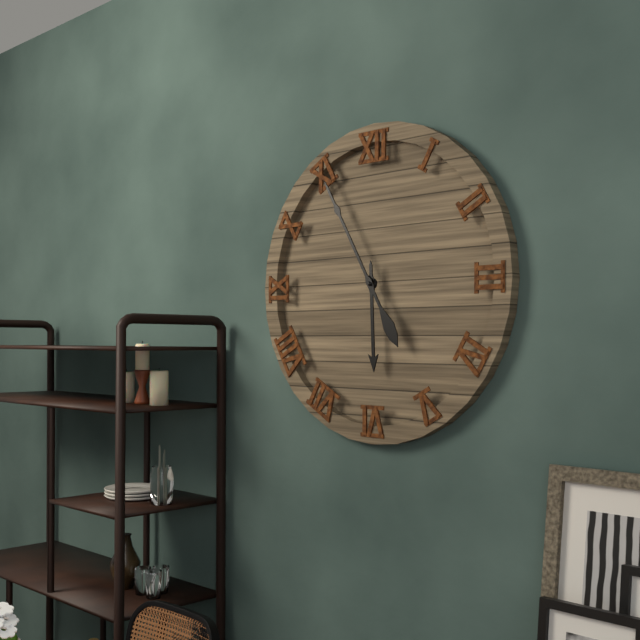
5 h 55 min
